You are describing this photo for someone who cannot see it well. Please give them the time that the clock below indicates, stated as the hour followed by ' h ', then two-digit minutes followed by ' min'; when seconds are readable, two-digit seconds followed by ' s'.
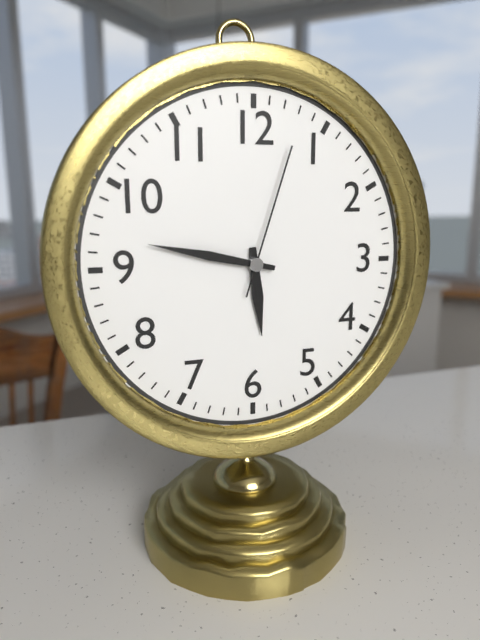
5 h 47 min 03 s
